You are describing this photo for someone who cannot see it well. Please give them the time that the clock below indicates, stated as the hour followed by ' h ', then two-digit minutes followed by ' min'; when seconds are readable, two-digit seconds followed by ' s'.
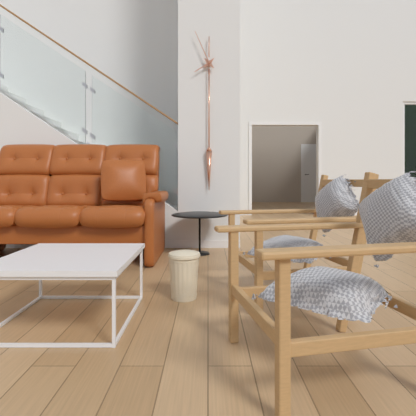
7 h 56 min
